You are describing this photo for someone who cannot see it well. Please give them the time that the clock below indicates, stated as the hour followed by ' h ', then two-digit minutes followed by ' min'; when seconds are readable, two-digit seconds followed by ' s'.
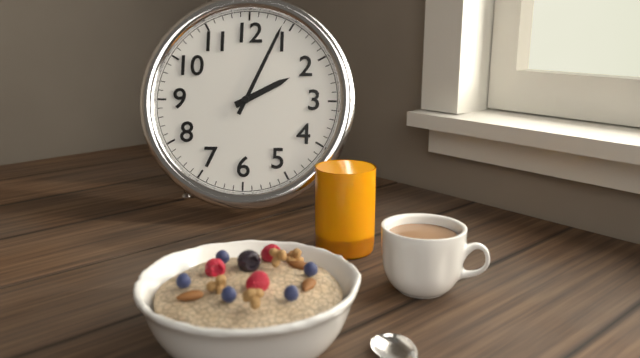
2 h 04 min
